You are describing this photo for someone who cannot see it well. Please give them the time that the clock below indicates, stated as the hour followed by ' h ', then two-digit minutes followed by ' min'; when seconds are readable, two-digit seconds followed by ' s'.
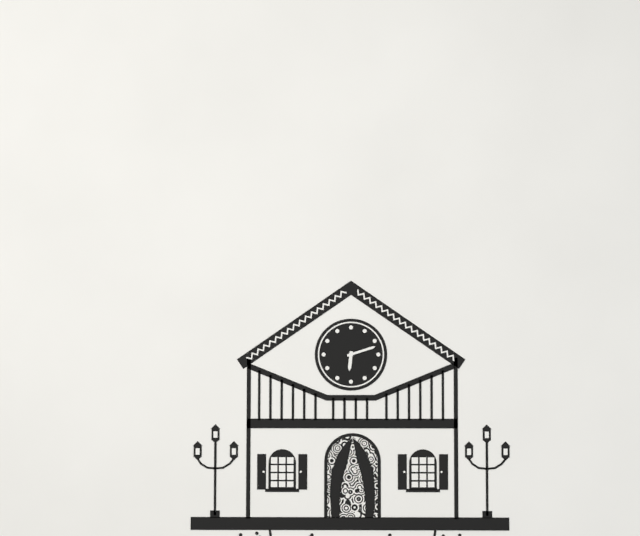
6 h 12 min
